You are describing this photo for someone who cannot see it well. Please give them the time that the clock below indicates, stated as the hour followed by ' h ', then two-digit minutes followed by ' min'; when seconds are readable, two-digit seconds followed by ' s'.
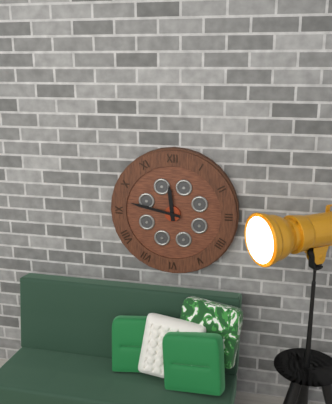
11 h 47 min
